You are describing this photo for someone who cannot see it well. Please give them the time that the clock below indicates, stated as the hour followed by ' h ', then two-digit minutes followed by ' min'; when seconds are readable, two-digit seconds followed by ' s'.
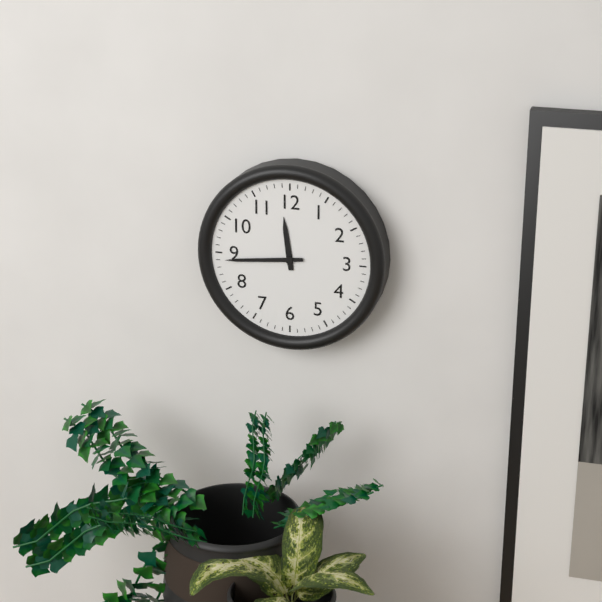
11 h 44 min
